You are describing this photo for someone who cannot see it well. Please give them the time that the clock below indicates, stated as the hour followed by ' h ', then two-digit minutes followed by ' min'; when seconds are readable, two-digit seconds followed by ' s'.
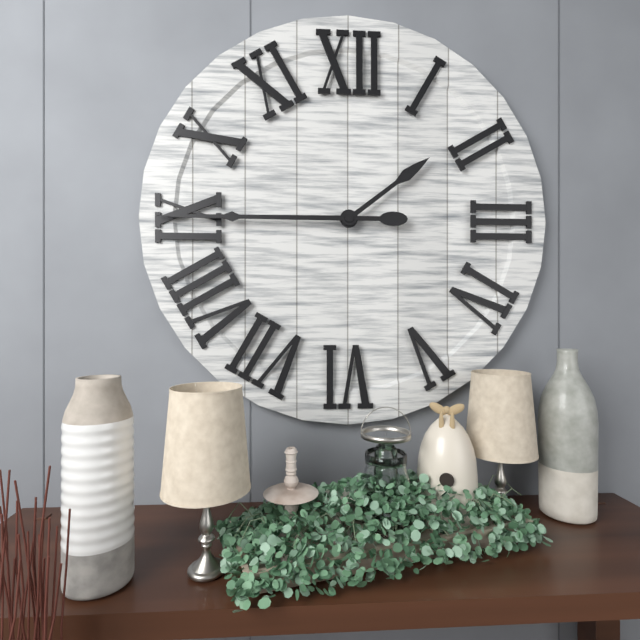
1 h 45 min
